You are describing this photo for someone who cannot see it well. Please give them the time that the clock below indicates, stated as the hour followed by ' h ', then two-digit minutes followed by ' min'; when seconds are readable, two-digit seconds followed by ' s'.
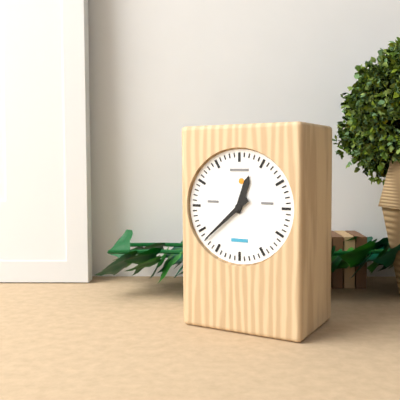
12 h 38 min
